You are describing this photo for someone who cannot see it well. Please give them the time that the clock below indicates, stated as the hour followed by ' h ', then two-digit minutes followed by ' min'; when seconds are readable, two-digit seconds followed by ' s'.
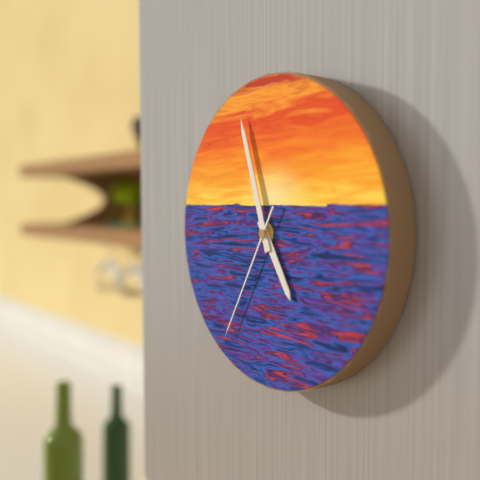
4 h 57 min 35 s
